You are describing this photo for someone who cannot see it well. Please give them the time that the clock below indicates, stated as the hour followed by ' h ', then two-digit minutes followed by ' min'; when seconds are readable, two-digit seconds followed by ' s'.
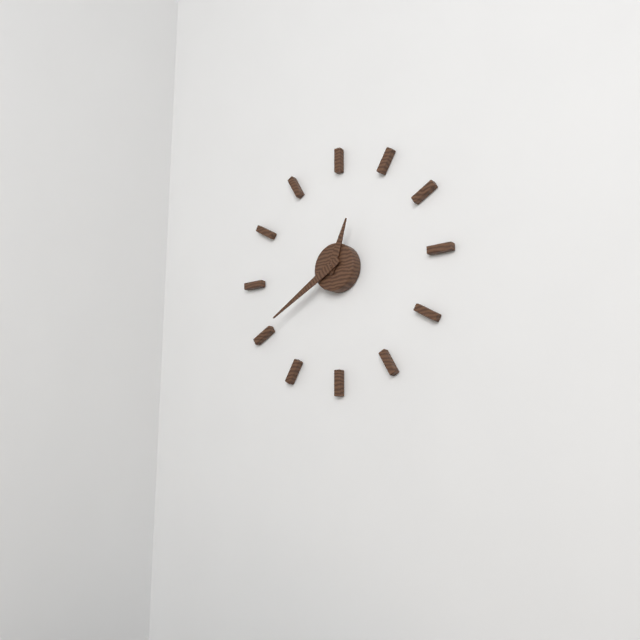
12 h 40 min
